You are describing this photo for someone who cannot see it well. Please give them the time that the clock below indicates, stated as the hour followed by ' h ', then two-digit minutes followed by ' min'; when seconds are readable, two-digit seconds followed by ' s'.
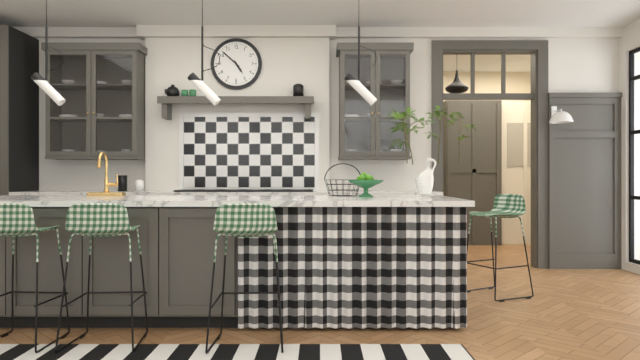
4 h 52 min
